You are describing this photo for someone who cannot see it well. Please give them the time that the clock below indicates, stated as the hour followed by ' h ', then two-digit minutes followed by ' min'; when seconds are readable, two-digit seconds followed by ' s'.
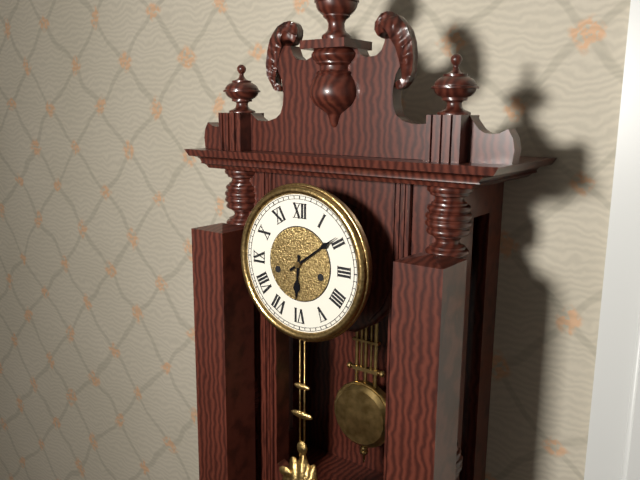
6 h 09 min
